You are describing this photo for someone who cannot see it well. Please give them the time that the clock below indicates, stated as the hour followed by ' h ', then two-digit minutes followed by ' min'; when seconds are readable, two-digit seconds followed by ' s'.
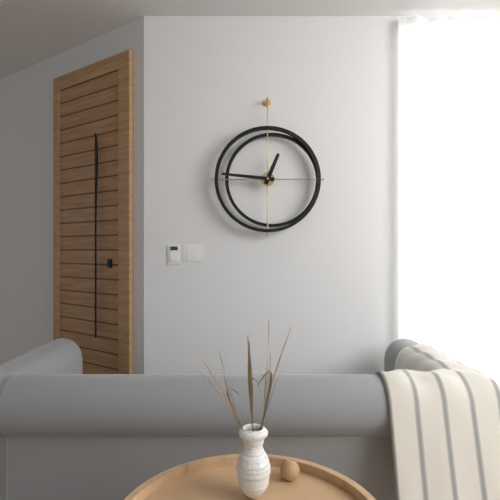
12 h 46 min
